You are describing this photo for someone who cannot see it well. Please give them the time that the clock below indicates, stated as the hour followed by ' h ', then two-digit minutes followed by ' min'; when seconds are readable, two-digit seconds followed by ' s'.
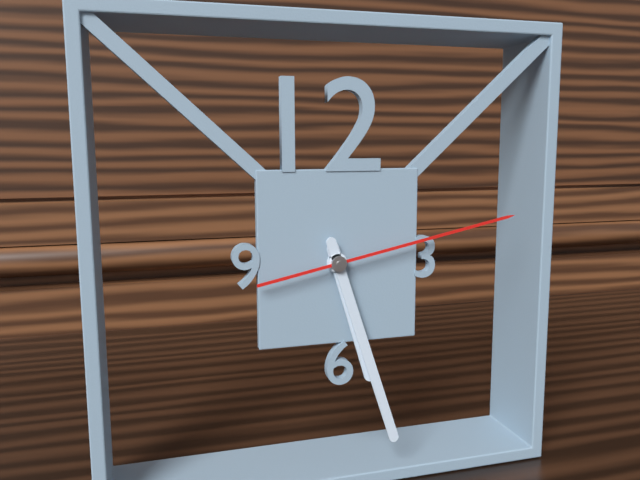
5 h 27 min 13 s
